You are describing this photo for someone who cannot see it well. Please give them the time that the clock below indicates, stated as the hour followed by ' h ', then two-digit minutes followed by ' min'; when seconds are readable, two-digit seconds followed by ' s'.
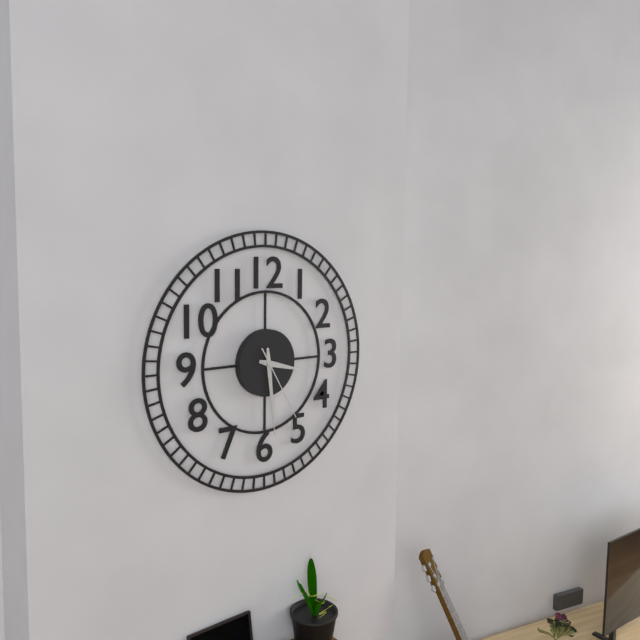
3 h 29 min 25 s
